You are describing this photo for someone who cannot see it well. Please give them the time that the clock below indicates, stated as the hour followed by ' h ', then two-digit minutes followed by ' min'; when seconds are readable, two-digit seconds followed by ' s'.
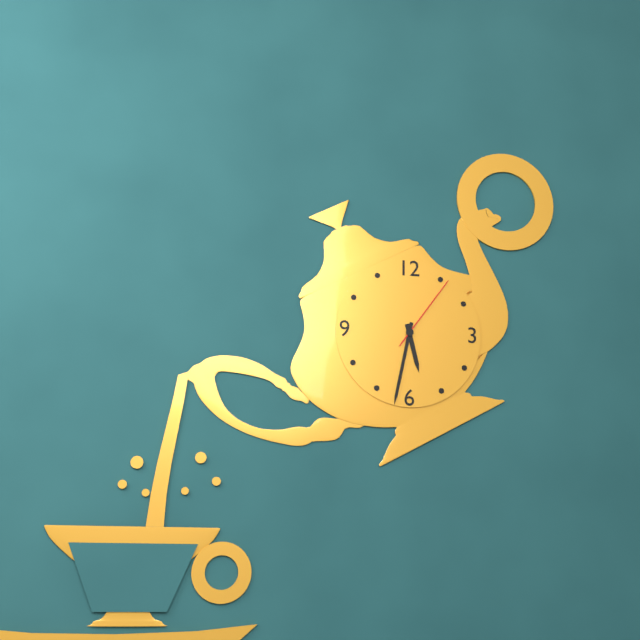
5 h 32 min 06 s
